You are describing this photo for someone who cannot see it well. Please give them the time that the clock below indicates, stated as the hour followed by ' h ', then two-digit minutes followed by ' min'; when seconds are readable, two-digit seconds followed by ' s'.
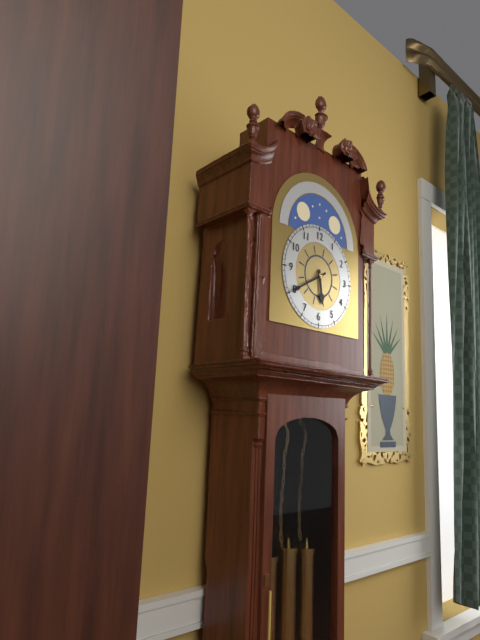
5 h 40 min
